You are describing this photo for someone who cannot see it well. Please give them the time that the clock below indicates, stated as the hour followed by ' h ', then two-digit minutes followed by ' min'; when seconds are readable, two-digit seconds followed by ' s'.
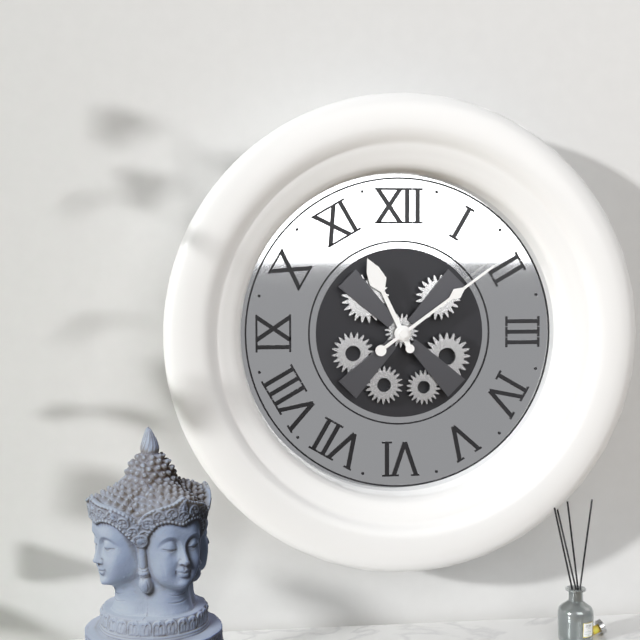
11 h 09 min
